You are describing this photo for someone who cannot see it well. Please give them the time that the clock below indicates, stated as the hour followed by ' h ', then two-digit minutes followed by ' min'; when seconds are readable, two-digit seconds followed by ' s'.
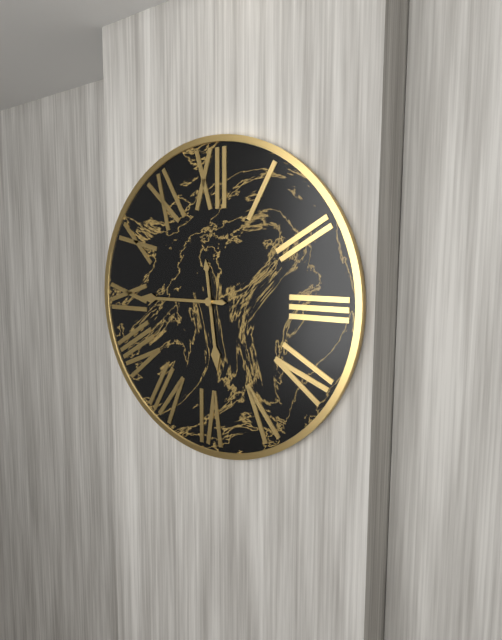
5 h 45 min
